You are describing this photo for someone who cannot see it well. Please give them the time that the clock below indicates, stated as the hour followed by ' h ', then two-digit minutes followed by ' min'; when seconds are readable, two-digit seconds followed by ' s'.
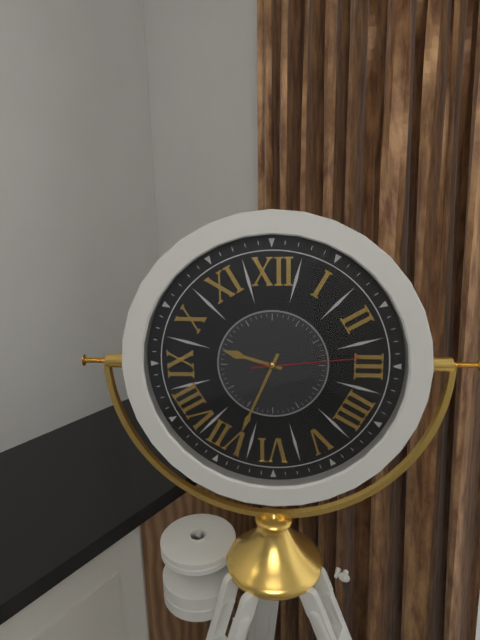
9 h 34 min 14 s
